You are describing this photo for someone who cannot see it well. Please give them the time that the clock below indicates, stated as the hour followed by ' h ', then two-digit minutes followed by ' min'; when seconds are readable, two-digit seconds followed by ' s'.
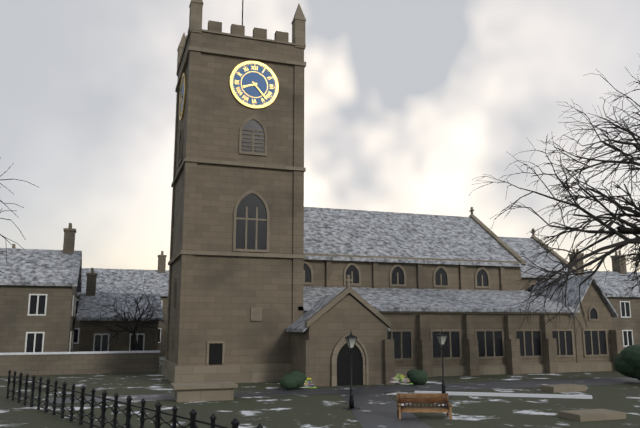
8 h 23 min
